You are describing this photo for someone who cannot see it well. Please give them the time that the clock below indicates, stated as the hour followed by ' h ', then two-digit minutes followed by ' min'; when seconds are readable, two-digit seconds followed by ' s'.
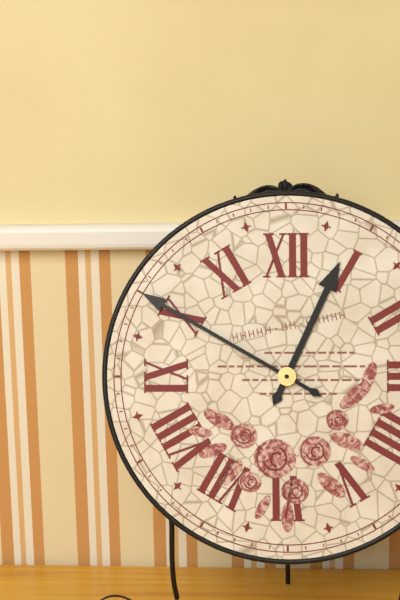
12 h 50 min
